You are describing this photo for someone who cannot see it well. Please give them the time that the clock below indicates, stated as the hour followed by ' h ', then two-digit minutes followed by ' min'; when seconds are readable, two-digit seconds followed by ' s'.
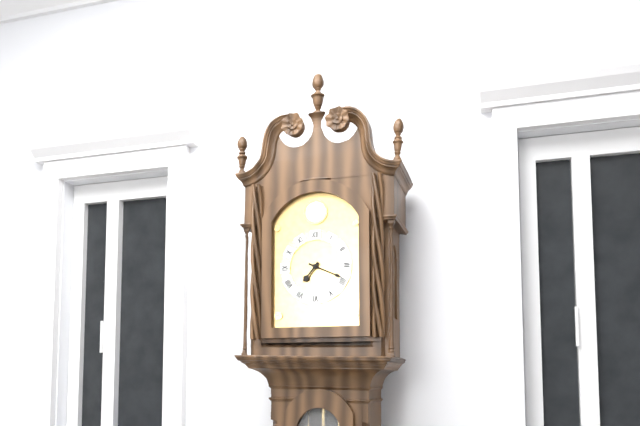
7 h 19 min
